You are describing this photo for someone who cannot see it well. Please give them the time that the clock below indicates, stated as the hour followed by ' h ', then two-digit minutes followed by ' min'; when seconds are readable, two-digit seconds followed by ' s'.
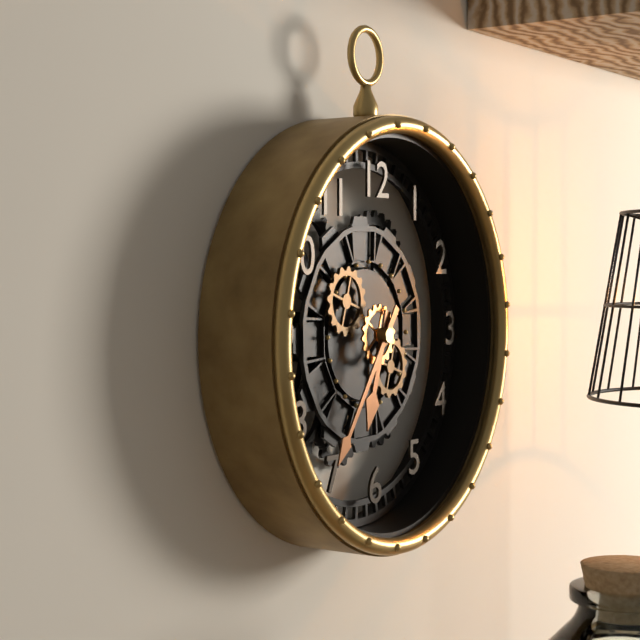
6 h 36 min
